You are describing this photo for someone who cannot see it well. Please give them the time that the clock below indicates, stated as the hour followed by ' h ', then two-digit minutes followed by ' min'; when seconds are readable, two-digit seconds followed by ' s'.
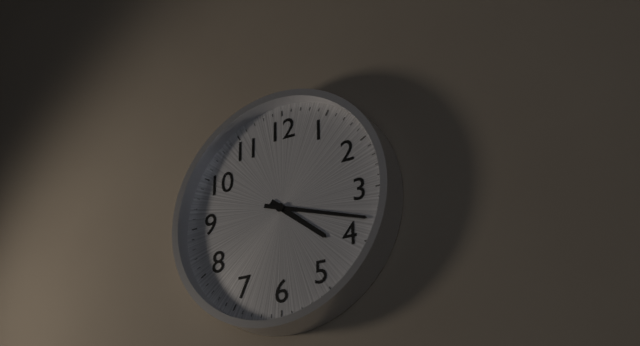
4 h 18 min
